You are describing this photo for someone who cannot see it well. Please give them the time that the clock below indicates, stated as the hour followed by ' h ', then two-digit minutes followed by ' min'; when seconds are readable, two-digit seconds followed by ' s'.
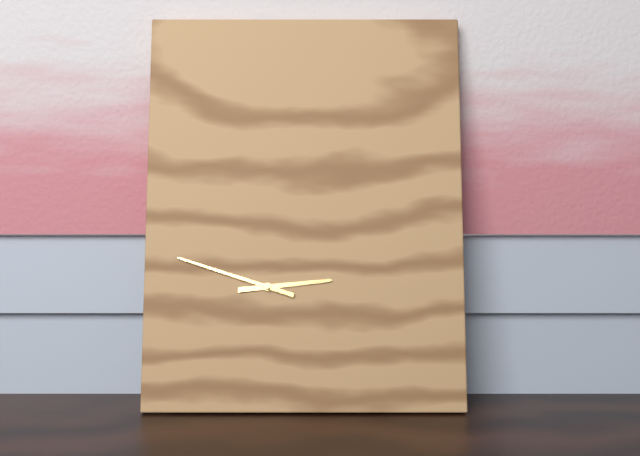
2 h 48 min
